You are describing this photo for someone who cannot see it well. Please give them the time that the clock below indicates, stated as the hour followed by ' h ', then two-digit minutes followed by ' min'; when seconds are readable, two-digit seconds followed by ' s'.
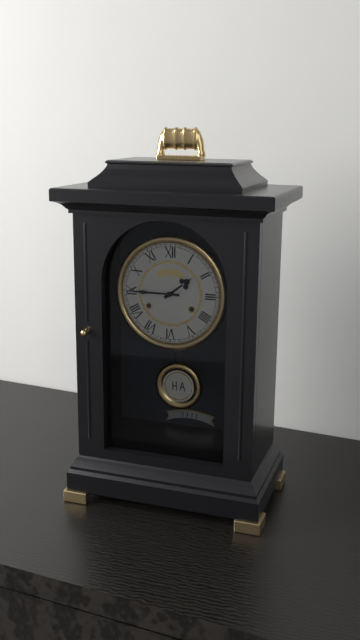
1 h 45 min
